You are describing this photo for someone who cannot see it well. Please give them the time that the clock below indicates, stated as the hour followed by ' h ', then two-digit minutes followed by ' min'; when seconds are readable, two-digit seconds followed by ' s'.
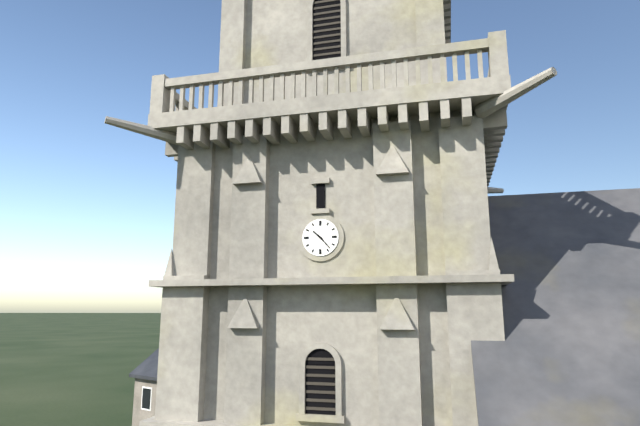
10 h 23 min
